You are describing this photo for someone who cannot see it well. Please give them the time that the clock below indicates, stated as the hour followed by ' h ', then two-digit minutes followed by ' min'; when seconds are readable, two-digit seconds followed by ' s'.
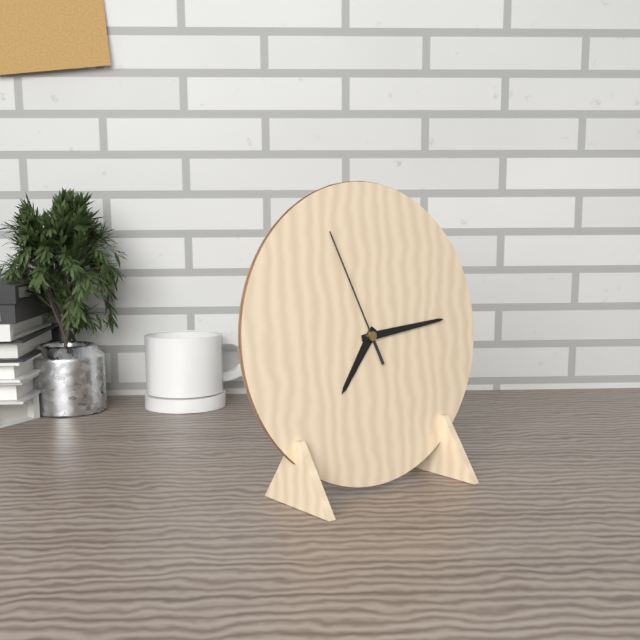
7 h 14 min 56 s
